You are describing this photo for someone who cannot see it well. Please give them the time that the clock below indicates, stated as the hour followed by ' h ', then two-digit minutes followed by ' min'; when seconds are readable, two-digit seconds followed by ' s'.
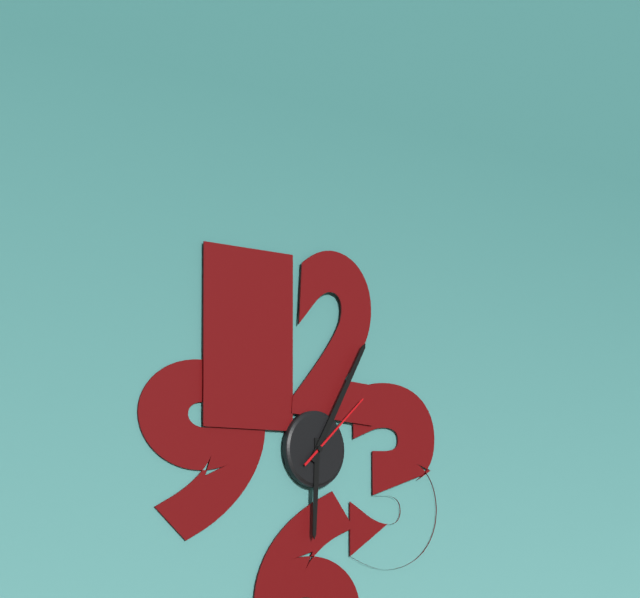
6 h 05 min 08 s
